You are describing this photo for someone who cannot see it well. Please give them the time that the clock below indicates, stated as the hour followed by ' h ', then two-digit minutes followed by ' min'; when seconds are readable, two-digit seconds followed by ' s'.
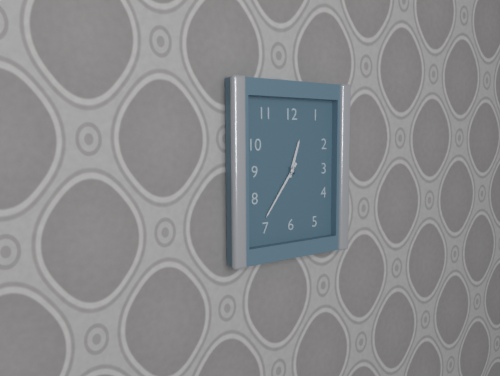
12 h 36 min
